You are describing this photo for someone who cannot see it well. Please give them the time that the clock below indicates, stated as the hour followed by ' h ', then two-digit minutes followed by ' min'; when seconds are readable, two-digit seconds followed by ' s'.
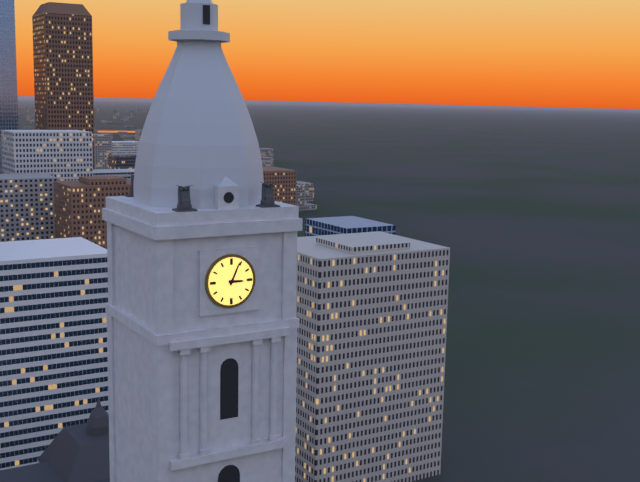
3 h 04 min
